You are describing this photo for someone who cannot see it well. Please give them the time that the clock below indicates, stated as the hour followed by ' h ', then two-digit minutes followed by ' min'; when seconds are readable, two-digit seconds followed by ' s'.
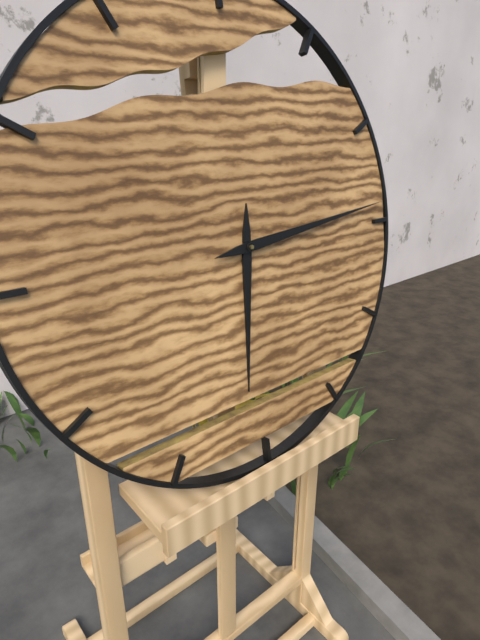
6 h 14 min
